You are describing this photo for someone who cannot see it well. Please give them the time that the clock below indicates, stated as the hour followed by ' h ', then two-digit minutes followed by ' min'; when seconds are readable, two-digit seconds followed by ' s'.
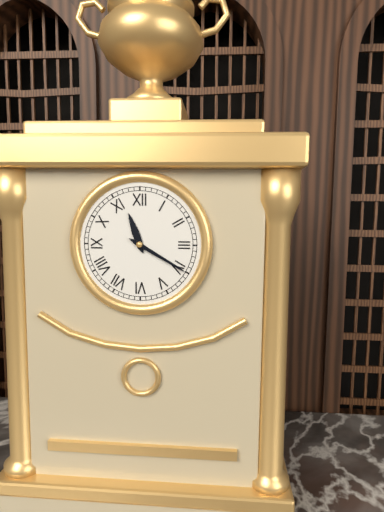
11 h 20 min
